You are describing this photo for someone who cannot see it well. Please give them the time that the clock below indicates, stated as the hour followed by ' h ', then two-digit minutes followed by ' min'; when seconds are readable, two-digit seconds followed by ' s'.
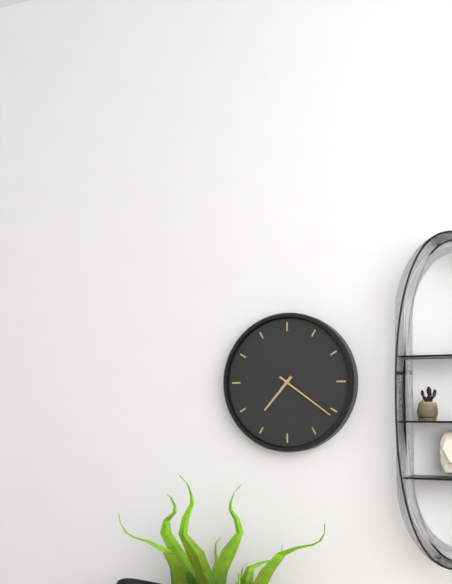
7 h 21 min
